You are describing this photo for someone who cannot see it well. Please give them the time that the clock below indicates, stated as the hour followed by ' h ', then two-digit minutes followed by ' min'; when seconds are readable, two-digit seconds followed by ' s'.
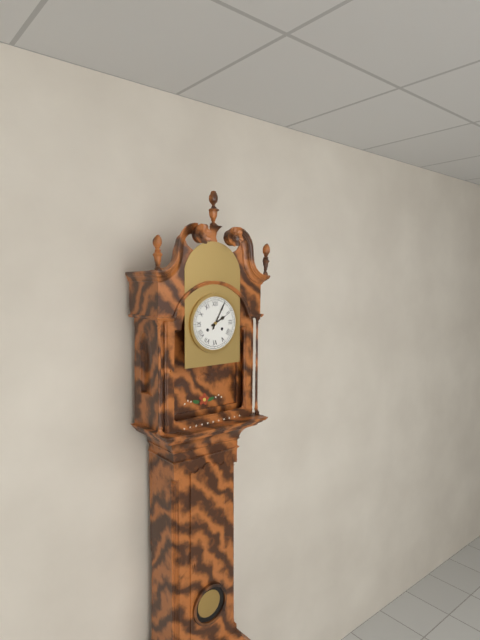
2 h 05 min
